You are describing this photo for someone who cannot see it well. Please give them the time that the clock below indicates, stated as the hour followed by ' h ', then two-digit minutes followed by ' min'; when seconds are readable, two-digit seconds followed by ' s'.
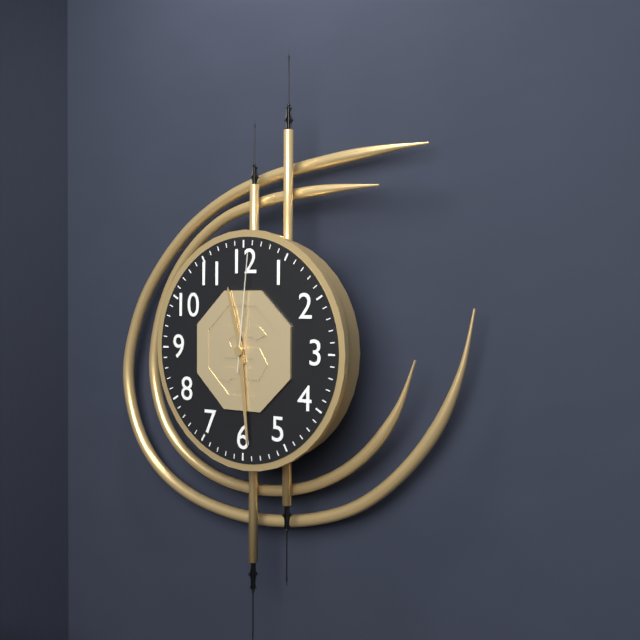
11 h 29 min 01 s
